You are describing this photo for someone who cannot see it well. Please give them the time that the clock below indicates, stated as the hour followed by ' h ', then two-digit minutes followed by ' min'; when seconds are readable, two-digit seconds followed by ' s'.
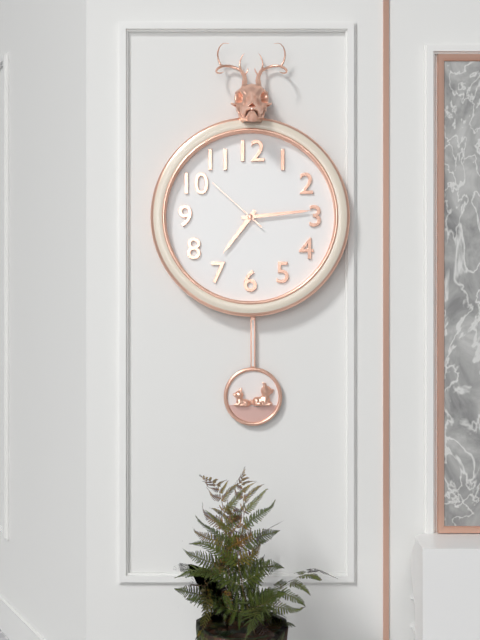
7 h 14 min 52 s
